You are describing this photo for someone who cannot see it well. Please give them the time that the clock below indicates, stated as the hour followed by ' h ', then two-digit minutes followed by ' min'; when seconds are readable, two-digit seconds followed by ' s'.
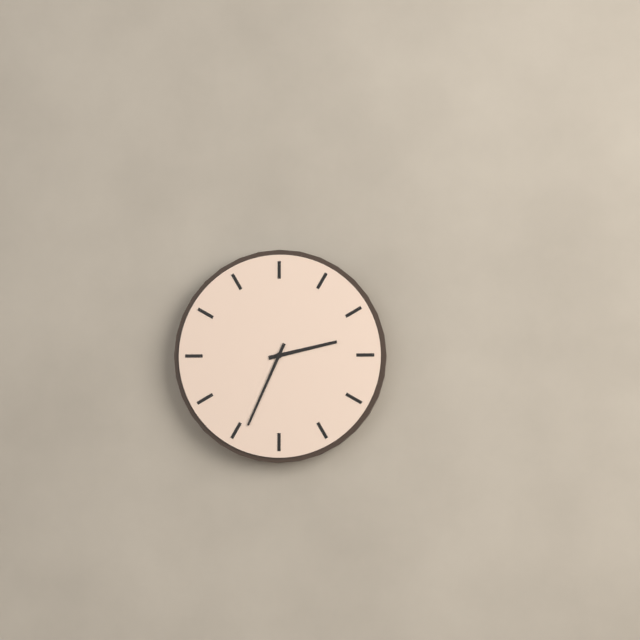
2 h 34 min
